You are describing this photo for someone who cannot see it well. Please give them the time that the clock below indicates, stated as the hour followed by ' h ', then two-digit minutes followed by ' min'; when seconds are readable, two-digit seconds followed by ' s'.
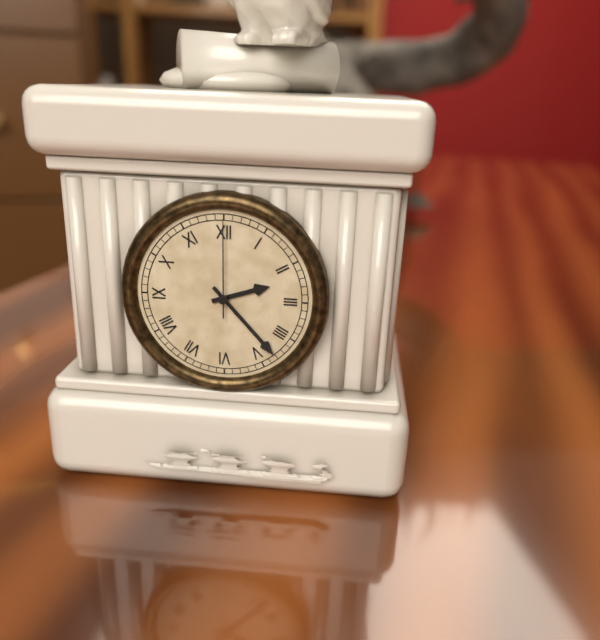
2 h 23 min 00 s
